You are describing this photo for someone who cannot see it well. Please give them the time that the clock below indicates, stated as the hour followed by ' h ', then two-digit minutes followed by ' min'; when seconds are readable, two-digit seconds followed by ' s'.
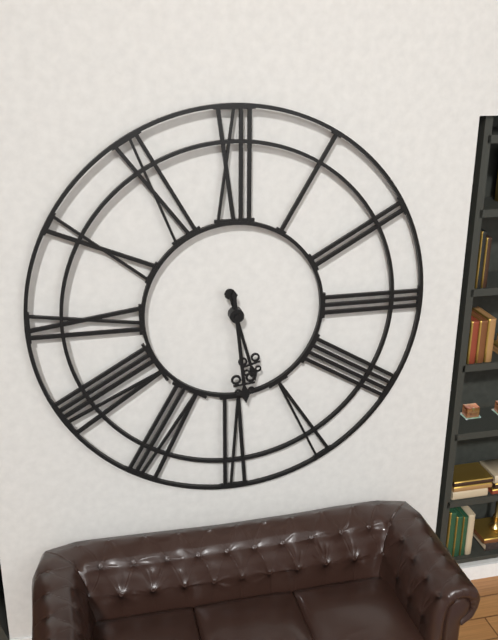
5 h 29 min
